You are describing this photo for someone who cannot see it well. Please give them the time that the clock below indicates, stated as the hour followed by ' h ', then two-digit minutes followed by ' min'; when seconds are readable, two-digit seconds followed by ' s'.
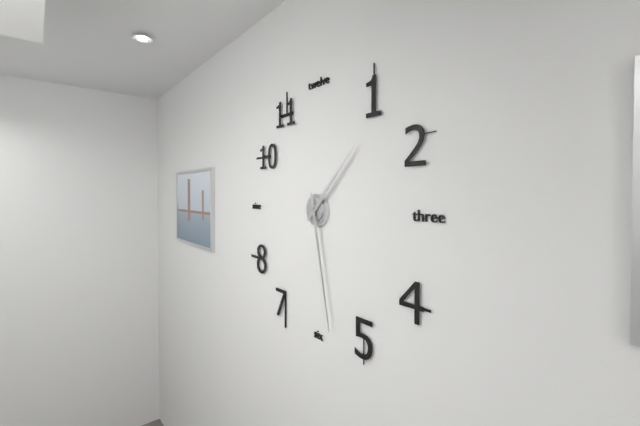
1 h 28 min
